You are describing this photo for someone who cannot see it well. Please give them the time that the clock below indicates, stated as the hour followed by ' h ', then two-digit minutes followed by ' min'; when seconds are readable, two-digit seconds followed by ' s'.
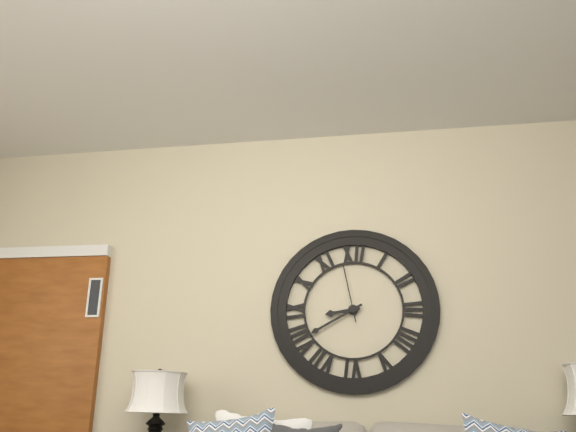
8 h 40 min 58 s
